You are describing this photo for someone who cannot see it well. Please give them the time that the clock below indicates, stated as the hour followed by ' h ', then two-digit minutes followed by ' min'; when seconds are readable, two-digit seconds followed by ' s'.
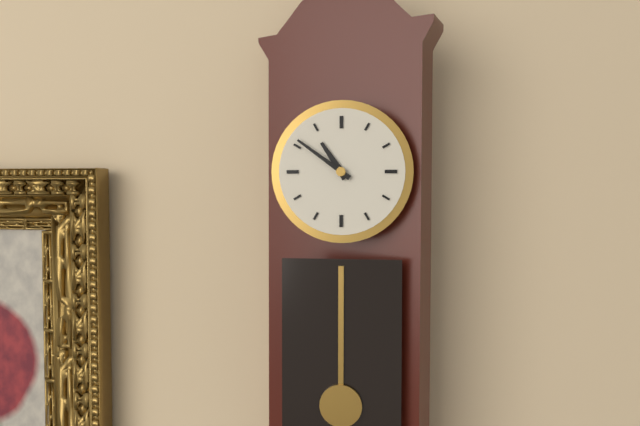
10 h 51 min
